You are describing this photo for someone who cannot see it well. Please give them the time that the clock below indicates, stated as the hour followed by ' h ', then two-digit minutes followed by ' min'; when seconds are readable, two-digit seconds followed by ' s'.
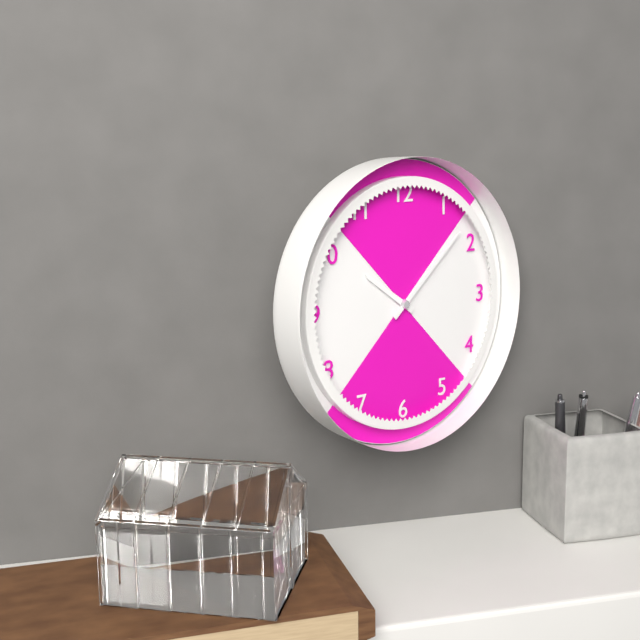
10 h 08 min
